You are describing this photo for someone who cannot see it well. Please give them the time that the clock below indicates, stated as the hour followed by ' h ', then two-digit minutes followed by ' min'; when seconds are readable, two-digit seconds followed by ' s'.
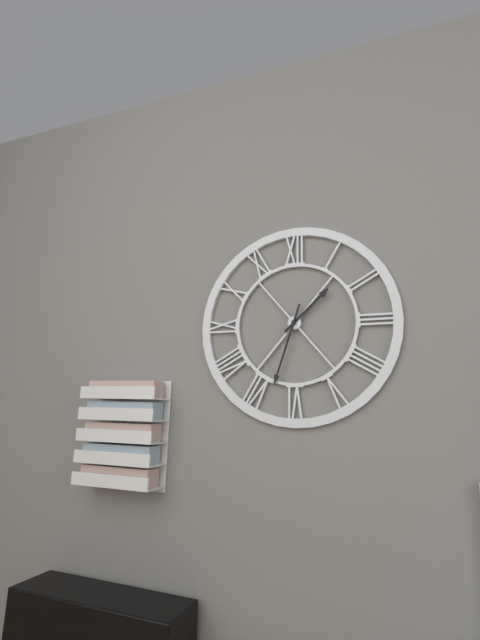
1 h 33 min
